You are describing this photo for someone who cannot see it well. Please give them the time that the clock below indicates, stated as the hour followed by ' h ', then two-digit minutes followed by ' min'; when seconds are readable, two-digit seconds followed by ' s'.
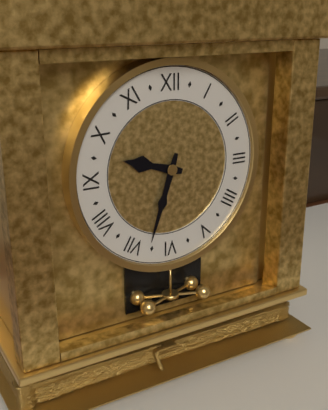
9 h 33 min
